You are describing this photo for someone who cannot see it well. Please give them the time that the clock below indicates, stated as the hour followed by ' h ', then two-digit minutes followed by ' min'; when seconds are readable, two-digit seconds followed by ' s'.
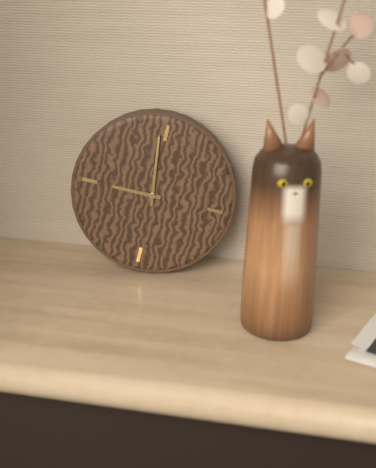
8 h 59 min
